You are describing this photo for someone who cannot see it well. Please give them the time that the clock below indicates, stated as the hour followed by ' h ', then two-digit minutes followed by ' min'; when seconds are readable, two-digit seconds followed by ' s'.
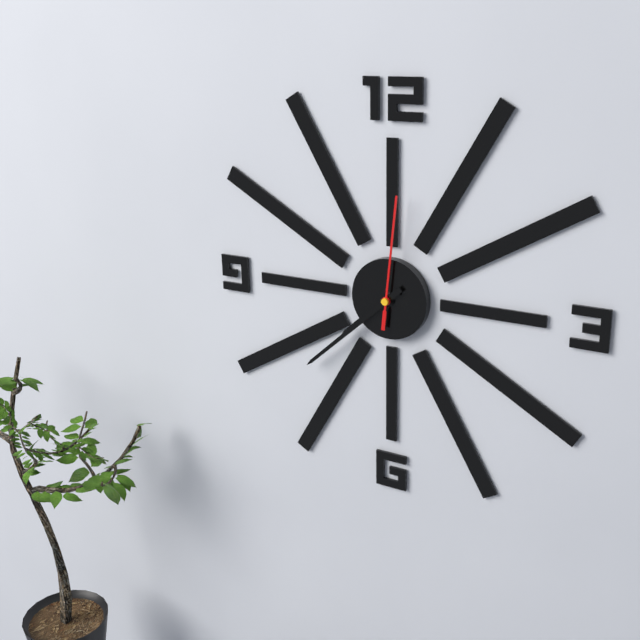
7 h 38 min 01 s
